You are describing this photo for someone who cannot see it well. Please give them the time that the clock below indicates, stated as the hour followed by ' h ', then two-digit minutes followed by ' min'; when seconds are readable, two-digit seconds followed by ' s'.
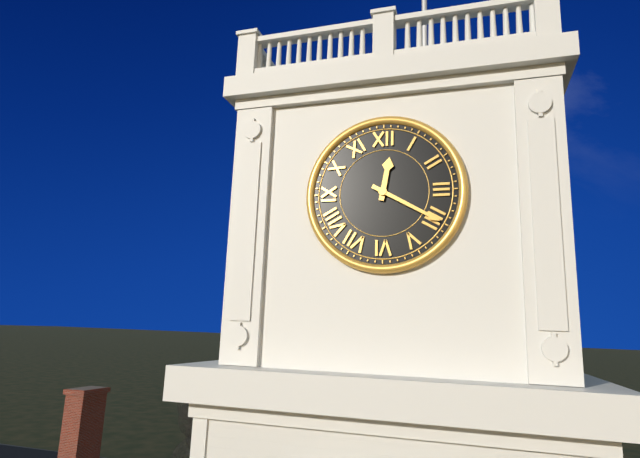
12 h 20 min
